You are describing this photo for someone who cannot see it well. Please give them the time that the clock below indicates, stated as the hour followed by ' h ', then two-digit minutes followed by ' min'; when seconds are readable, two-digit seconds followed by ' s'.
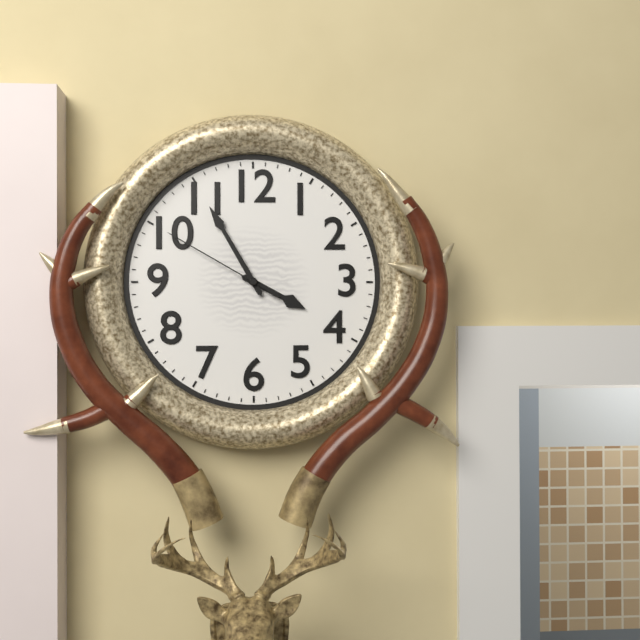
3 h 55 min 50 s
